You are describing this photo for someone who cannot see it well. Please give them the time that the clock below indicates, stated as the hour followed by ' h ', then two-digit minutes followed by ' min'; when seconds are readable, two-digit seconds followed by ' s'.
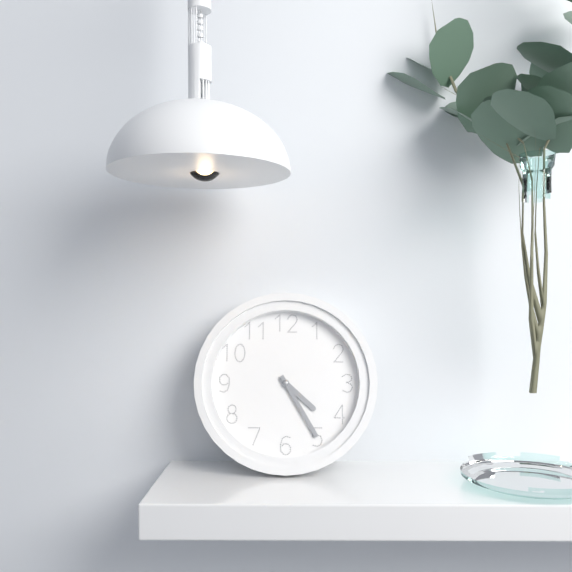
4 h 25 min
